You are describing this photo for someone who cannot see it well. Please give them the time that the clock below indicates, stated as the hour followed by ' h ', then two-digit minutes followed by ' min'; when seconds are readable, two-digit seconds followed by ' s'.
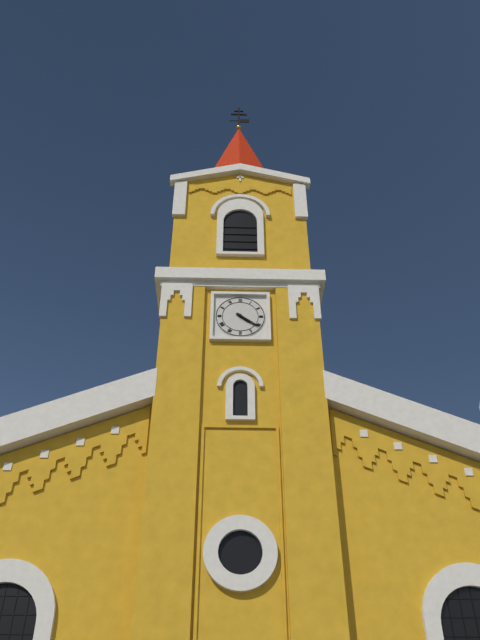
4 h 21 min
